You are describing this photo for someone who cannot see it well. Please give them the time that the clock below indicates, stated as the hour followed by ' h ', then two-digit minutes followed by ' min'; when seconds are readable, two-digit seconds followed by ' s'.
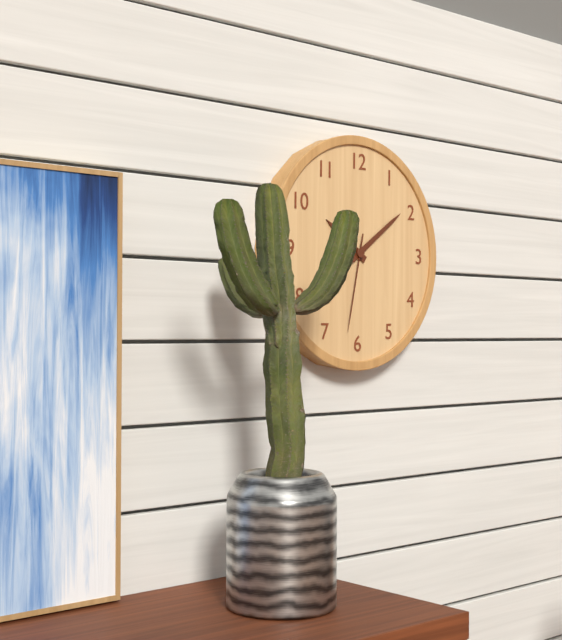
10 h 09 min 32 s
